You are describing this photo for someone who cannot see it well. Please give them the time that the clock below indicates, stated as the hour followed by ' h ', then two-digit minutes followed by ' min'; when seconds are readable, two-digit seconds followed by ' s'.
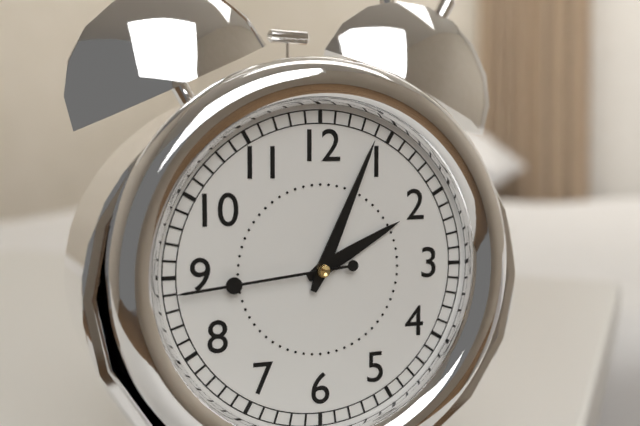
2 h 04 min 44 s
